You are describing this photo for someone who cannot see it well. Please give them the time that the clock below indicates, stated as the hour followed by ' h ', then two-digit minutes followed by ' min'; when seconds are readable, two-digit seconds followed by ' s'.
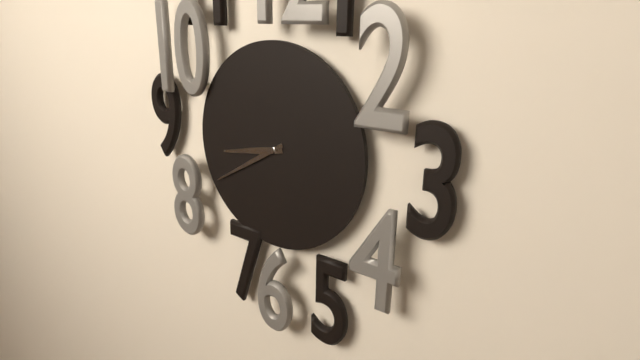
8 h 40 min
